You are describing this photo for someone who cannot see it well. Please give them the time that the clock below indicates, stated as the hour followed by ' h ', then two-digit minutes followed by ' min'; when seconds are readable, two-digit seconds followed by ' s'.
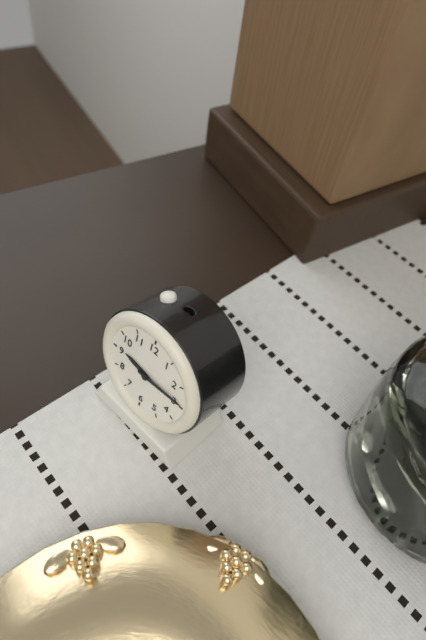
9 h 14 min
